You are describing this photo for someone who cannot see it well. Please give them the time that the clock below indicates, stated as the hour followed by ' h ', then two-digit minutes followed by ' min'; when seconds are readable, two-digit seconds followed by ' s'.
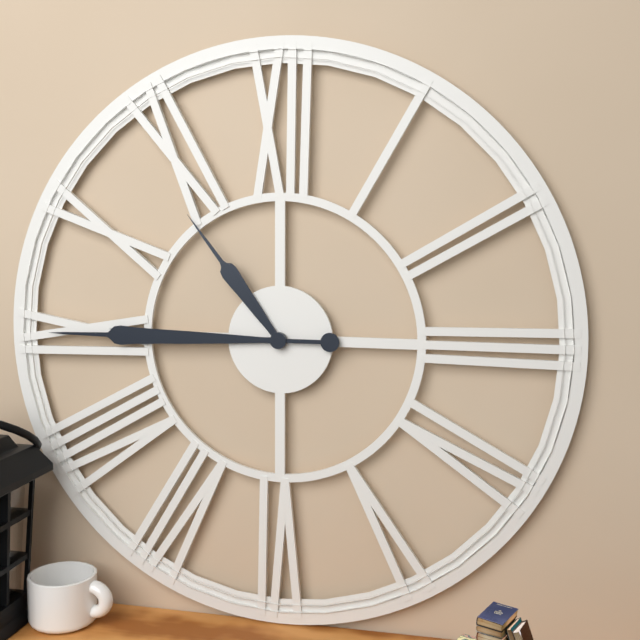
10 h 45 min
